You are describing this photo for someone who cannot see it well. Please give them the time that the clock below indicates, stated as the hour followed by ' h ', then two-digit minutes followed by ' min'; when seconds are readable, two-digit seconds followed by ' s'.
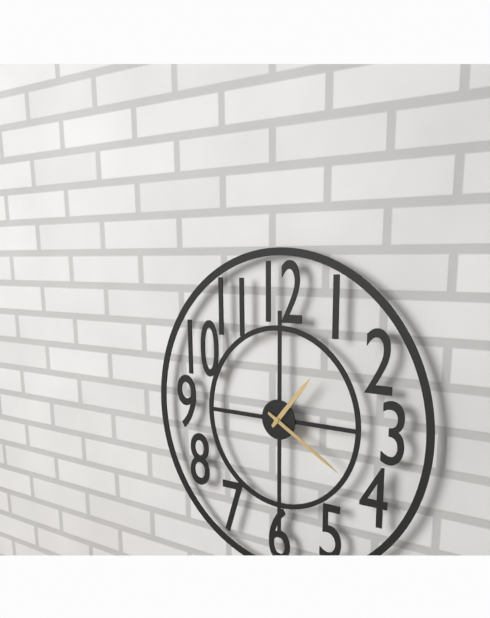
1 h 20 min
